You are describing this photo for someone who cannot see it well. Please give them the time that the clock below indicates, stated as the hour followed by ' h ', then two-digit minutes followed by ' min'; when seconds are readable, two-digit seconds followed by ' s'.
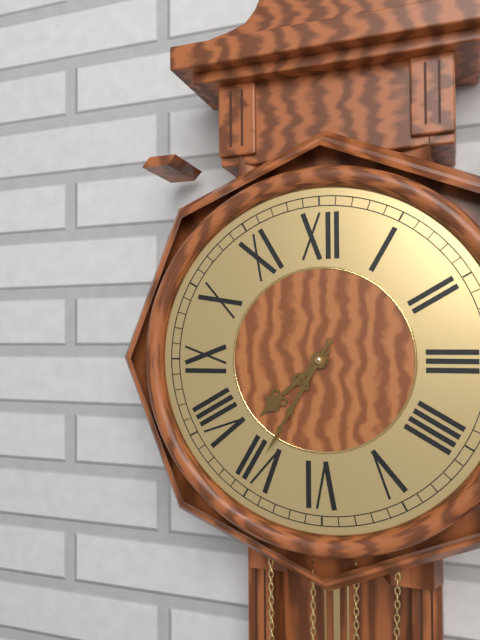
7 h 35 min
